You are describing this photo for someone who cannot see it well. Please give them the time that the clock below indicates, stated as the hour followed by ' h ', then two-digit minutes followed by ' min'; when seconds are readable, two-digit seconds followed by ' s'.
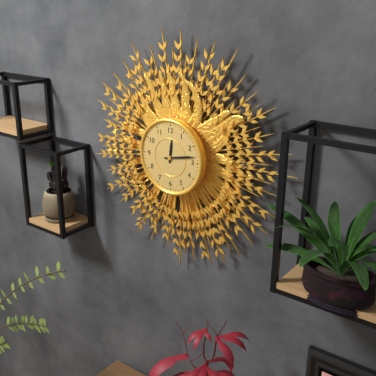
12 h 13 min
